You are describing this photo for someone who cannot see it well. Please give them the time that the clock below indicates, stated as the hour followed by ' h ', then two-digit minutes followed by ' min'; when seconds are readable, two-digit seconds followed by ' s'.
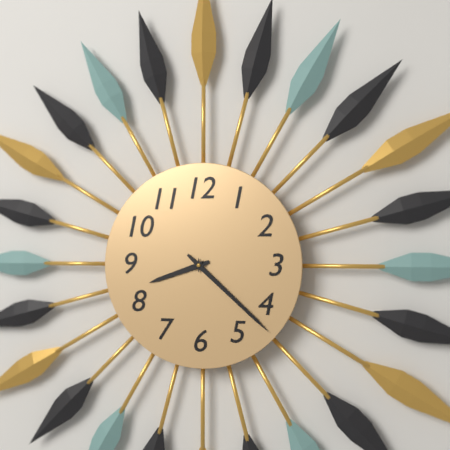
8 h 22 min
